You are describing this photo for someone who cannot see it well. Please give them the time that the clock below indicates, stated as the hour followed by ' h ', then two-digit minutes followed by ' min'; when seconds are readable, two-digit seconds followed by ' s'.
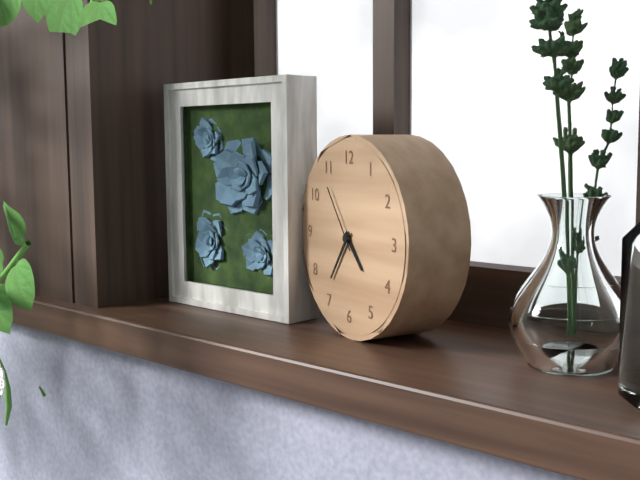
4 h 36 min 54 s
